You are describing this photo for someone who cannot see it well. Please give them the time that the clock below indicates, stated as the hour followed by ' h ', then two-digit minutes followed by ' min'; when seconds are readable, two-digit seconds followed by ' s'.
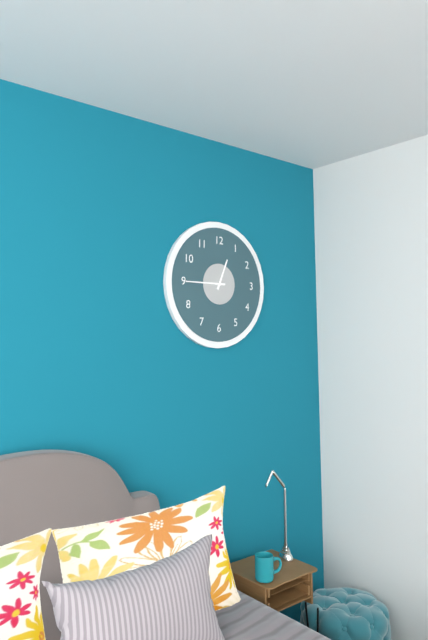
12 h 45 min
